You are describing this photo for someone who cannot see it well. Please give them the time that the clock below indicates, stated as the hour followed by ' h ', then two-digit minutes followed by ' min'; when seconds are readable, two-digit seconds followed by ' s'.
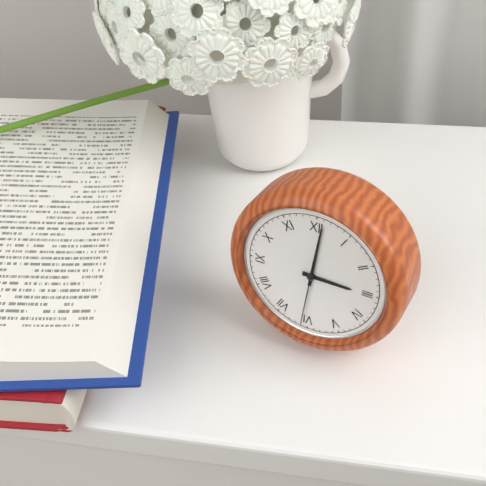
3 h 01 min 31 s
